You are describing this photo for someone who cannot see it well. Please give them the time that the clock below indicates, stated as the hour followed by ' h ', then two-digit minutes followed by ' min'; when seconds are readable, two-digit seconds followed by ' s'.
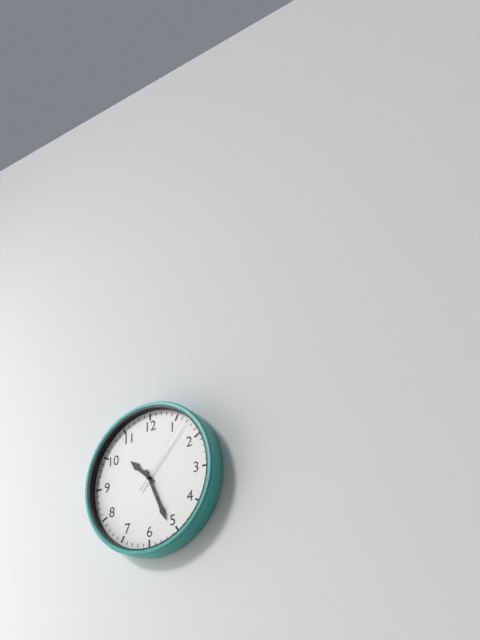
10 h 26 min 07 s
